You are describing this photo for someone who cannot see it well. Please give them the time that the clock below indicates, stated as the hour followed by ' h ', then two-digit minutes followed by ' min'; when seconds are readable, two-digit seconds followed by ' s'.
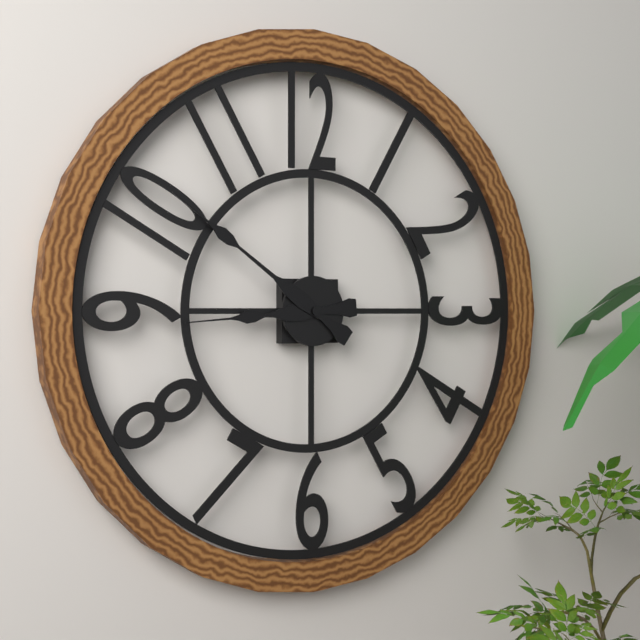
8 h 51 min
